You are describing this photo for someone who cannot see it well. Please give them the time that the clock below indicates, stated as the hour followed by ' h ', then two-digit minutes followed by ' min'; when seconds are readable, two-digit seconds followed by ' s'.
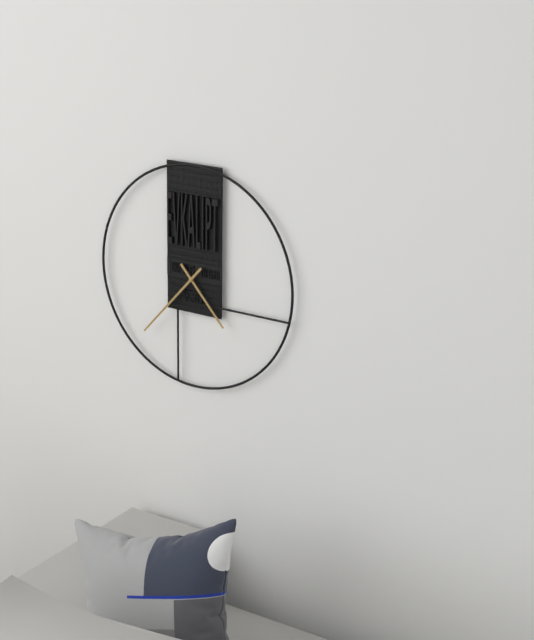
4 h 37 min
